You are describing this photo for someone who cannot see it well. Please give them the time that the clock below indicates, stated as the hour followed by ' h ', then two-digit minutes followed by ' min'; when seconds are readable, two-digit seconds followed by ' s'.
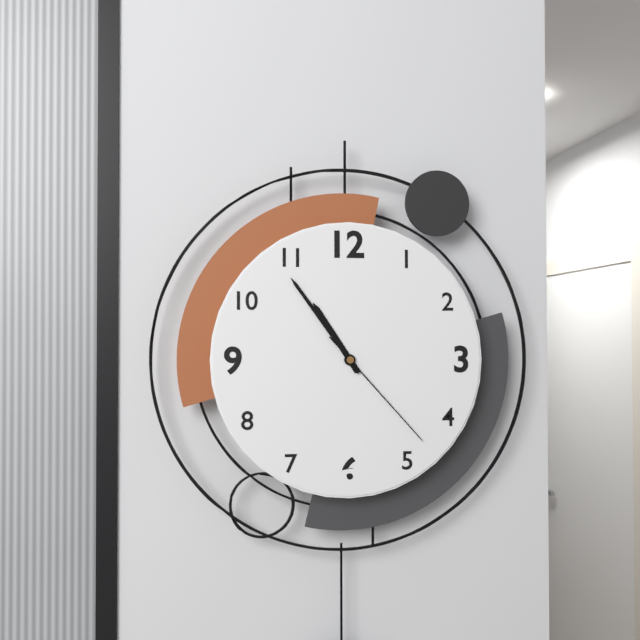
10 h 54 min 23 s
